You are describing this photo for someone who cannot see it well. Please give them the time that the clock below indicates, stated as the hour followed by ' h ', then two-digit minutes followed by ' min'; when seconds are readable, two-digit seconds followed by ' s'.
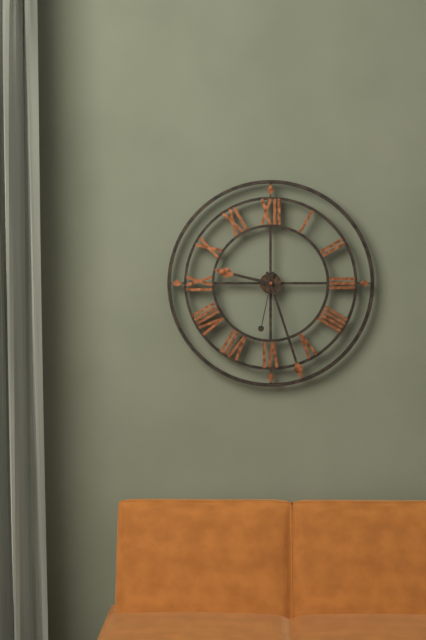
9 h 27 min 32 s
